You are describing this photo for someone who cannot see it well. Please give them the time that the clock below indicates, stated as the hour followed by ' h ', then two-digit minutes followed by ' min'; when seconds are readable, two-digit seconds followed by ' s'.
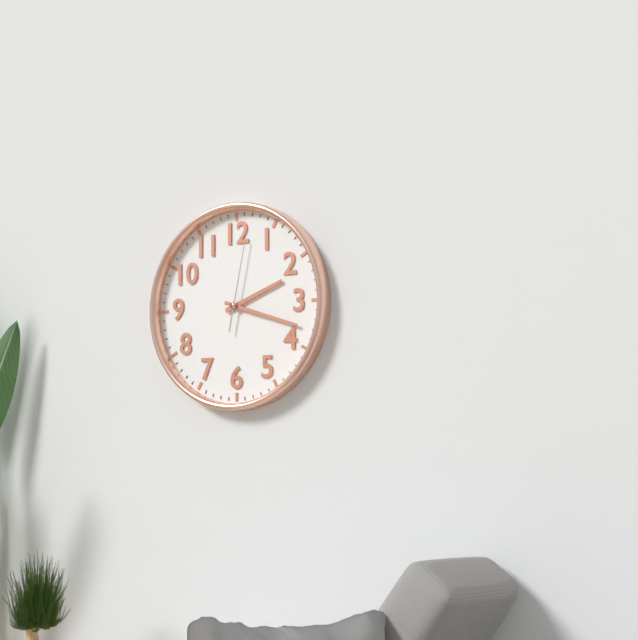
2 h 18 min 02 s
